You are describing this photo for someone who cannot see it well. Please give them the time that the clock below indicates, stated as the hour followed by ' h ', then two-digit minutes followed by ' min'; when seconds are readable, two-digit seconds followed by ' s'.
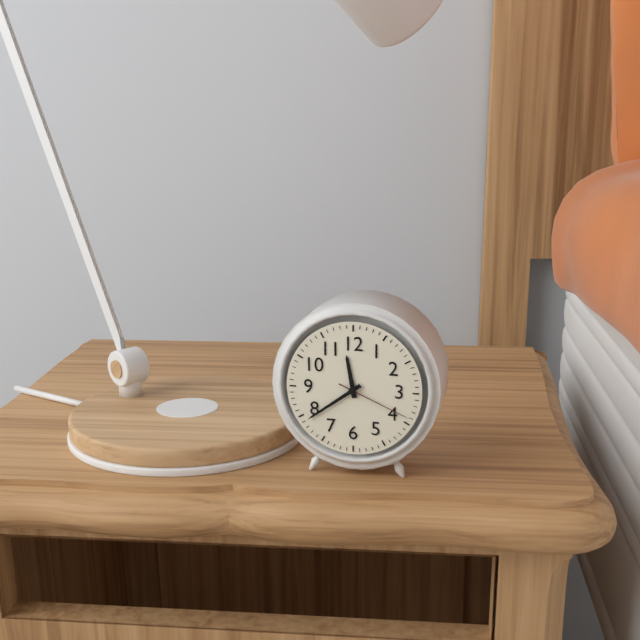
11 h 39 min 19 s
